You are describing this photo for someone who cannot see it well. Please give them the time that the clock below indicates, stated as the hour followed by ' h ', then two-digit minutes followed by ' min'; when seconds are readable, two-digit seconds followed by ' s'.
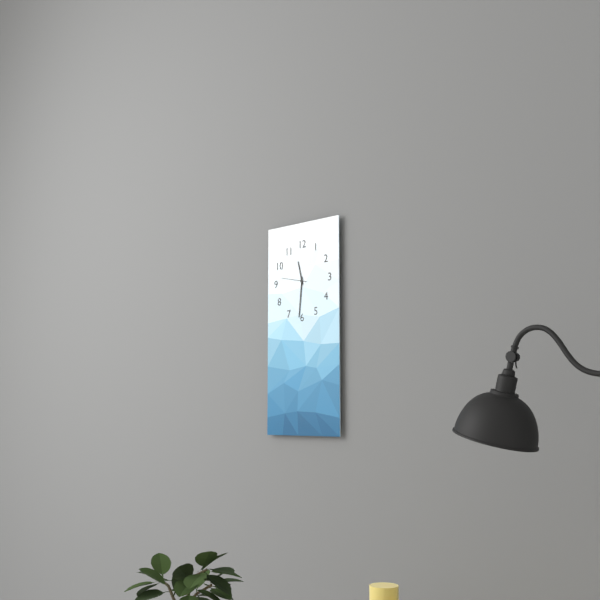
11 h 31 min
